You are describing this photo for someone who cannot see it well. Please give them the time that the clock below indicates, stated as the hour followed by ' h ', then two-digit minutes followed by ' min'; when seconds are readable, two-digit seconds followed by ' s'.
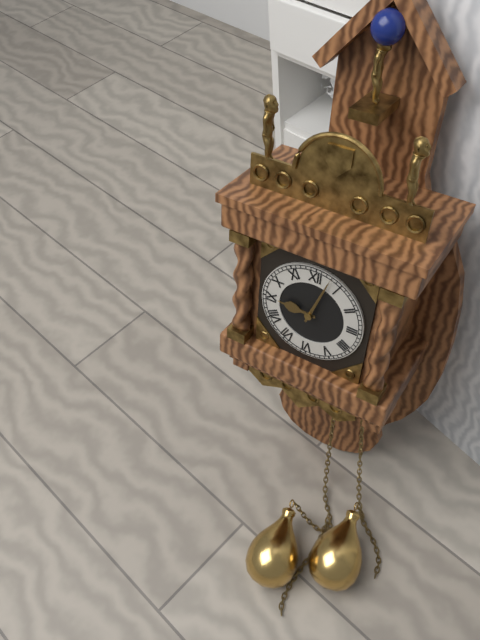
9 h 03 min
